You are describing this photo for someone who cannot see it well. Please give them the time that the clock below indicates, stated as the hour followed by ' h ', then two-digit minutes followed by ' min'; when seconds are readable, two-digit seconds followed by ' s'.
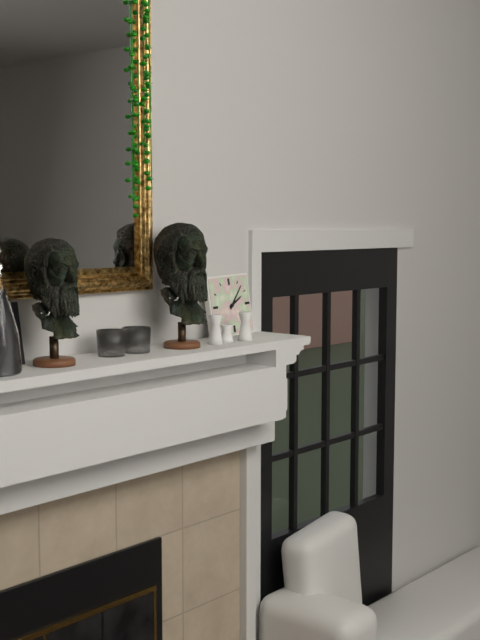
2 h 07 min
